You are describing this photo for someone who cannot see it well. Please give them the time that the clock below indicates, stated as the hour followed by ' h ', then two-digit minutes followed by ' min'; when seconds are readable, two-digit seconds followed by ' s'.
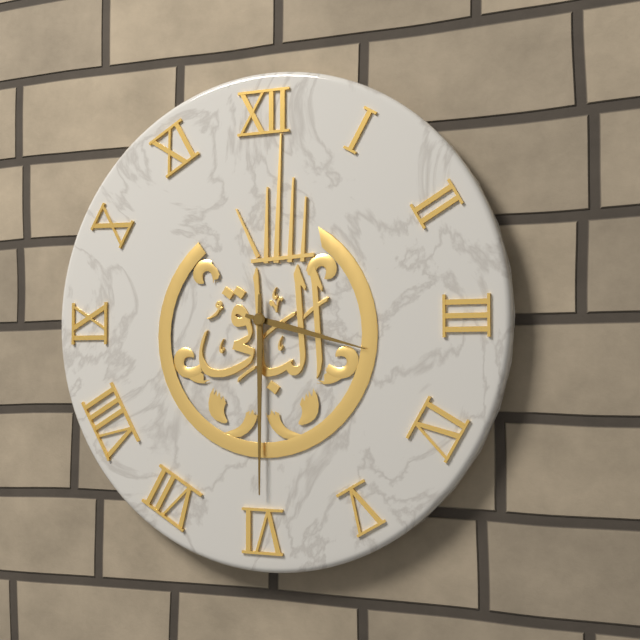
3 h 30 min
